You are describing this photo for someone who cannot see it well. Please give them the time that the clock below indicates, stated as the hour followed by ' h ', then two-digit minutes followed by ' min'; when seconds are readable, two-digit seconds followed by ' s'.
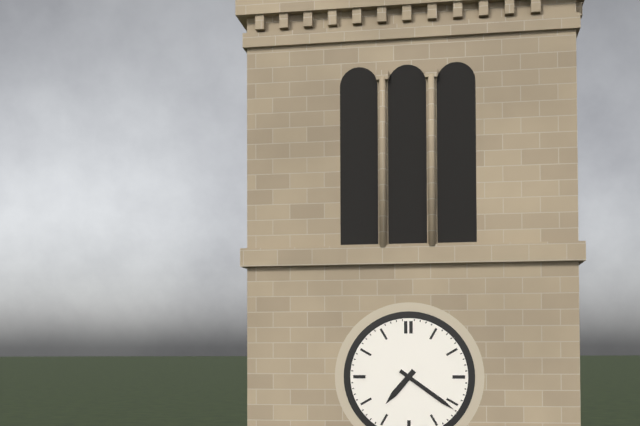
7 h 21 min
